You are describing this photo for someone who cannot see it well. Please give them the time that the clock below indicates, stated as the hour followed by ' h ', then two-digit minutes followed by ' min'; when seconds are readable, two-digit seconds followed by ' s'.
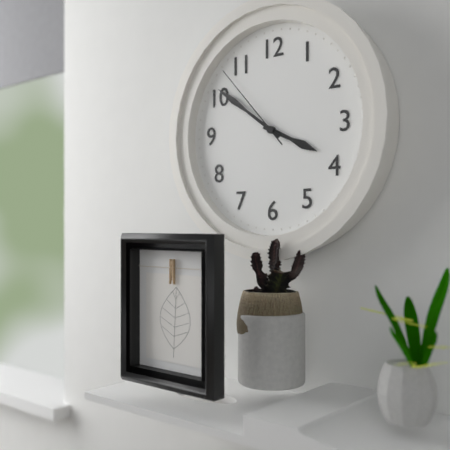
3 h 51 min 53 s
